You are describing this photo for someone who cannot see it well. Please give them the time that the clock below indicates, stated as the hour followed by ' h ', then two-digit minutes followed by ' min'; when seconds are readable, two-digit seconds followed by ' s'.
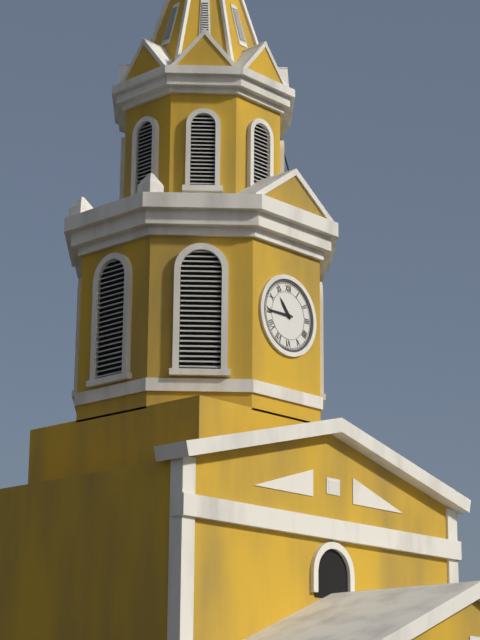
10 h 45 min
